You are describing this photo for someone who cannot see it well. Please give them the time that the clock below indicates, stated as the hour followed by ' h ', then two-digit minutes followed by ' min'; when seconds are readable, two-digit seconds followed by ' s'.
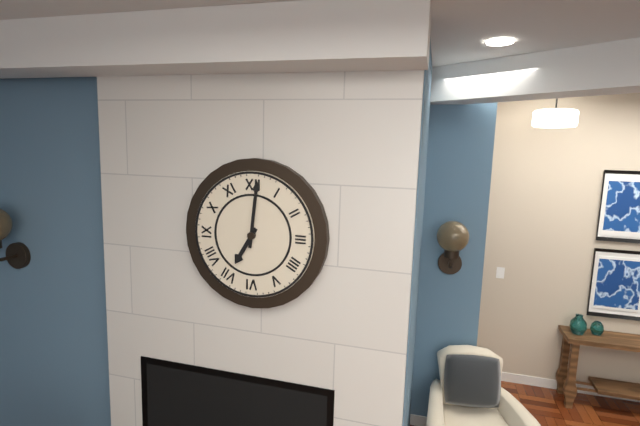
7 h 01 min
